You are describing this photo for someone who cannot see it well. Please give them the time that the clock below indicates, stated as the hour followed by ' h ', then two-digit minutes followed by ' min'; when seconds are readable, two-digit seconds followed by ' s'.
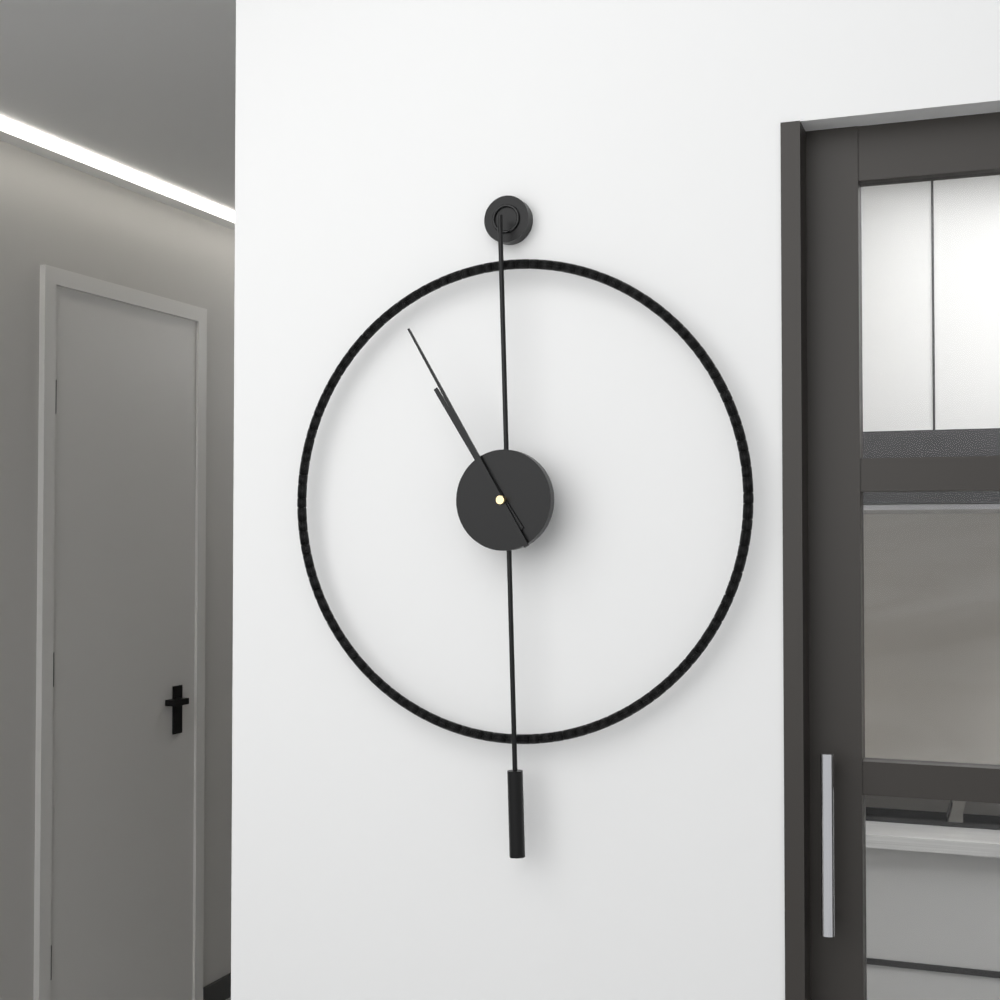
10 h 55 min
